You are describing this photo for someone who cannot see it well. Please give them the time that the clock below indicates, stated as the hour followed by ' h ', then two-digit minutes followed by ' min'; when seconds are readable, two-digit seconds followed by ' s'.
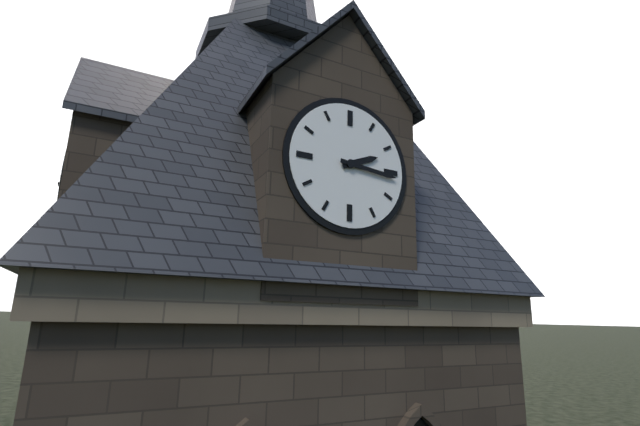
2 h 16 min
